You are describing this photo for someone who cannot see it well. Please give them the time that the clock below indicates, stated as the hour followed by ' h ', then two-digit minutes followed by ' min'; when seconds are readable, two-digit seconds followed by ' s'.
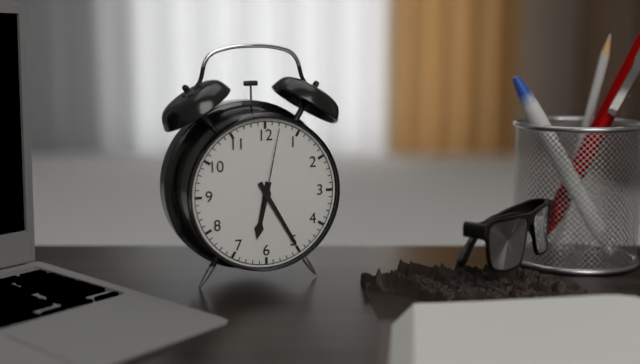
6 h 25 min 02 s
